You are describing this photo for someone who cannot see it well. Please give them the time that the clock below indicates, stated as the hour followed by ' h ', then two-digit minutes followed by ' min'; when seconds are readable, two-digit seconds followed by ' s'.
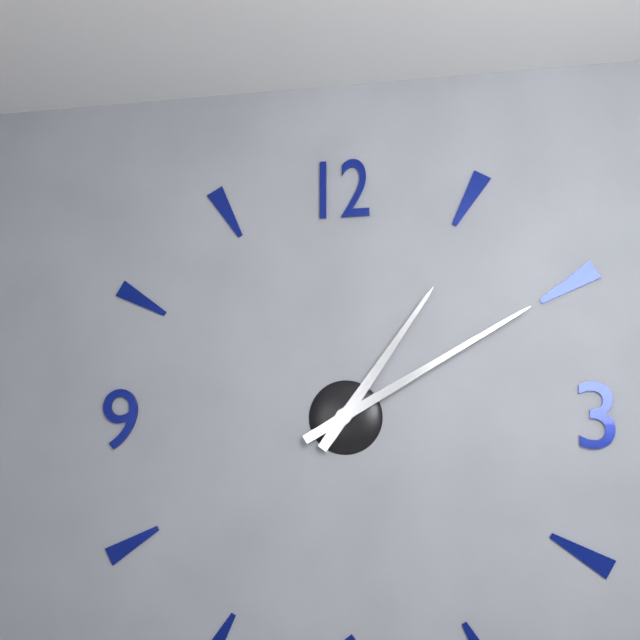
1 h 10 min
